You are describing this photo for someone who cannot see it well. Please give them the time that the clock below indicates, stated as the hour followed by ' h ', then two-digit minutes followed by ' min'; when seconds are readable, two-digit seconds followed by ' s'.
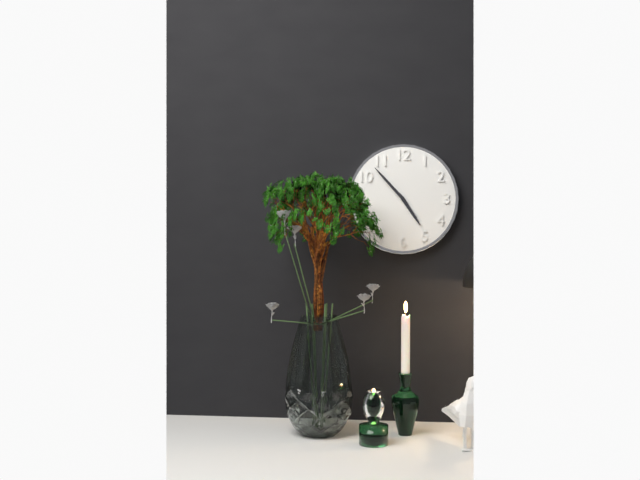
4 h 53 min
